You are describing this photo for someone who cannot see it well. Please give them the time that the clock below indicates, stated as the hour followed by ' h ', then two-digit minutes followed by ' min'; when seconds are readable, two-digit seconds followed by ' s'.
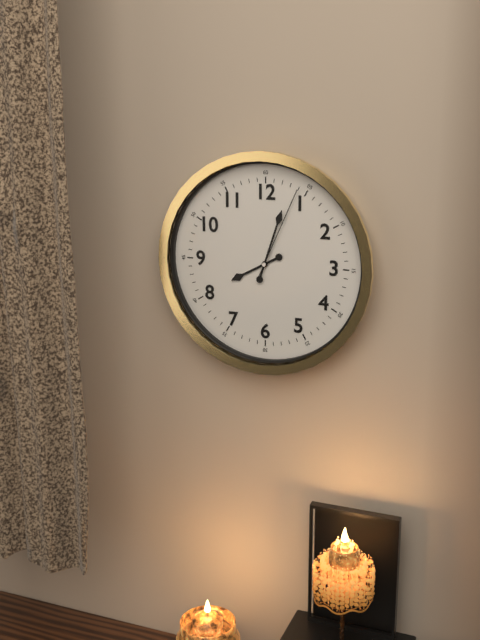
8 h 03 min 04 s
